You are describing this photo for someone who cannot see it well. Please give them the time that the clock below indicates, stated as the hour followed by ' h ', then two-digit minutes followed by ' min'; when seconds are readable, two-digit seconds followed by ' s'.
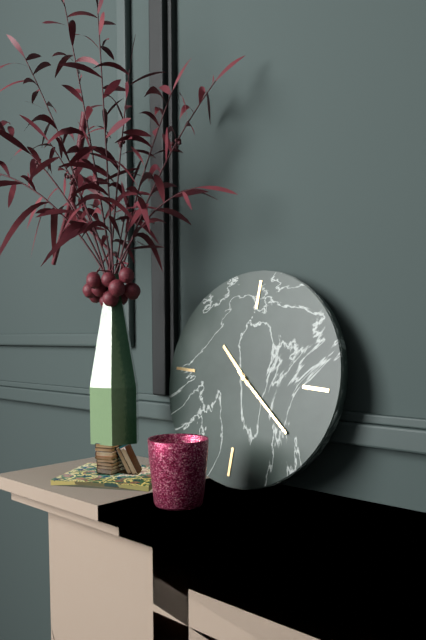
10 h 21 min
